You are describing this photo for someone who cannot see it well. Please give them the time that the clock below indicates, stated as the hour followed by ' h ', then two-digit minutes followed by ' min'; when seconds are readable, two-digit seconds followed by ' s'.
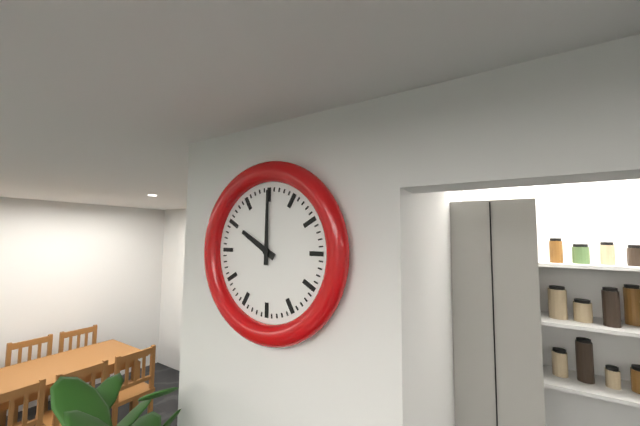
10 h 00 min
